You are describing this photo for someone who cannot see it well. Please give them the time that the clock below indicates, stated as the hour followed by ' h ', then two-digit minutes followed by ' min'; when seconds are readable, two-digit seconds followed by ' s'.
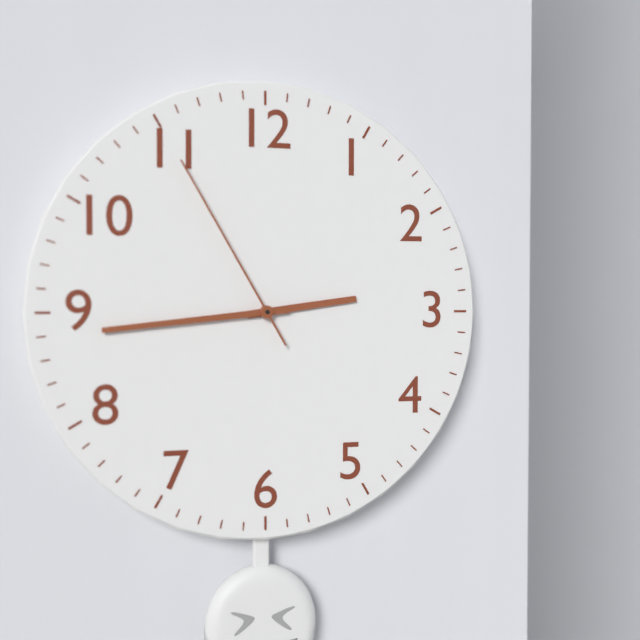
2 h 44 min 55 s
